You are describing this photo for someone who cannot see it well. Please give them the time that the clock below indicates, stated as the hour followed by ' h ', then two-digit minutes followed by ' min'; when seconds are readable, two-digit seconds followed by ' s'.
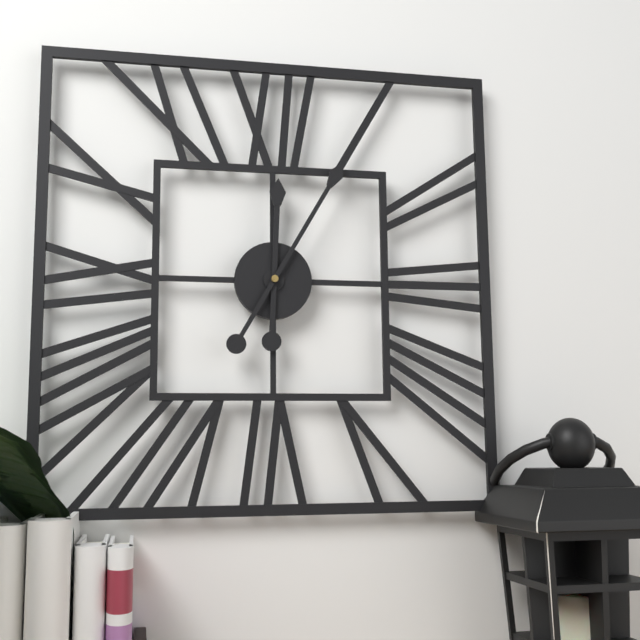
12 h 05 min
